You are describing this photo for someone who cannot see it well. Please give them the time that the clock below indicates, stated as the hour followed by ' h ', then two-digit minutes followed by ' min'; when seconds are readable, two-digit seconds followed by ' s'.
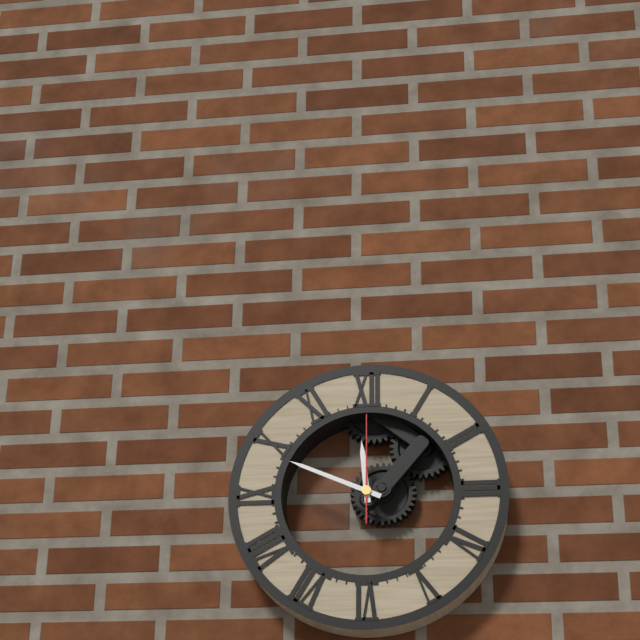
11 h 49 min 00 s
